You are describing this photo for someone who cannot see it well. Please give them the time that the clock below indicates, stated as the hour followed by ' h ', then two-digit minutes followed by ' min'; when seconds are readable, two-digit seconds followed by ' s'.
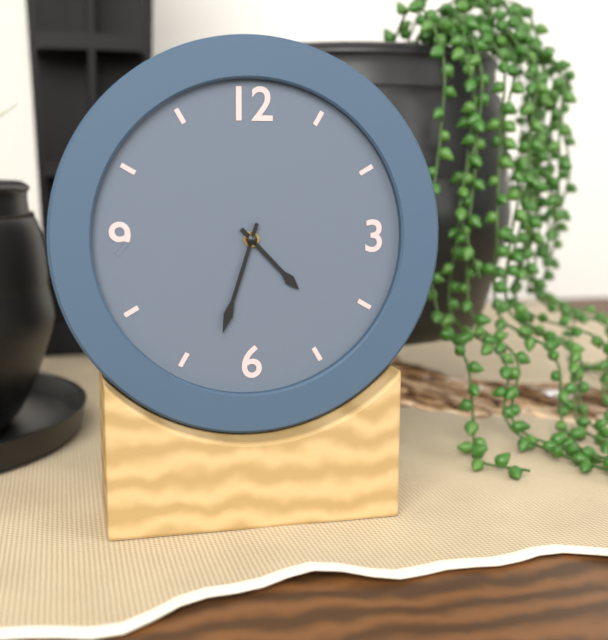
4 h 33 min
